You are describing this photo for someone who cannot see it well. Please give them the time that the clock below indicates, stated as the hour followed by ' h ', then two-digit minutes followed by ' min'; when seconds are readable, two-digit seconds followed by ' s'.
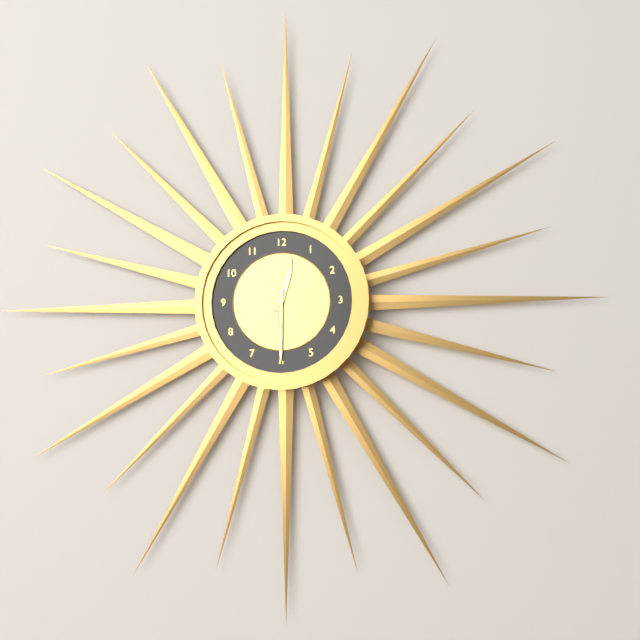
12 h 30 min
